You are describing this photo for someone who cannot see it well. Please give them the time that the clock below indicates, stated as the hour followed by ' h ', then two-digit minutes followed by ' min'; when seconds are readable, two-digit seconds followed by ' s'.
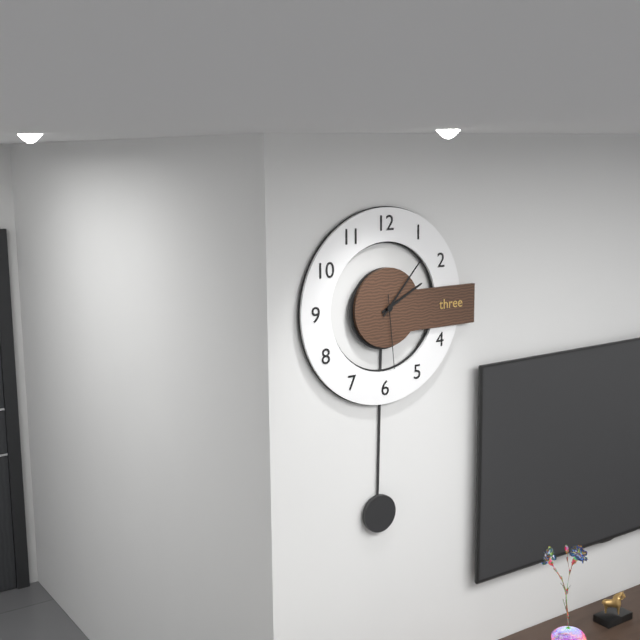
2 h 07 min 29 s
